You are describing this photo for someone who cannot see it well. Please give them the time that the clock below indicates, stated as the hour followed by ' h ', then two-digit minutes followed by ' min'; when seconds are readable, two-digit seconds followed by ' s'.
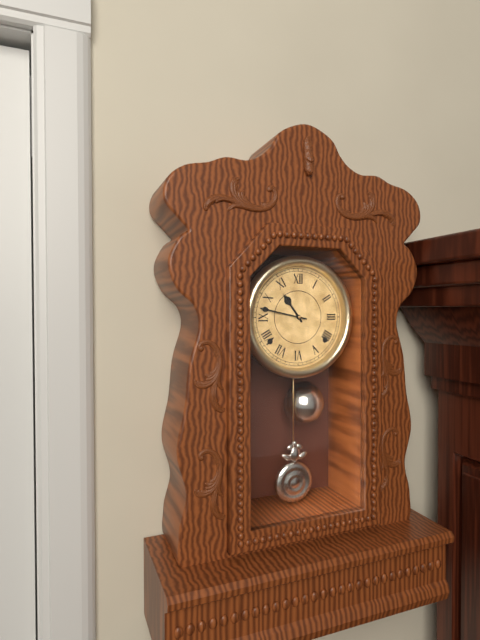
10 h 47 min
